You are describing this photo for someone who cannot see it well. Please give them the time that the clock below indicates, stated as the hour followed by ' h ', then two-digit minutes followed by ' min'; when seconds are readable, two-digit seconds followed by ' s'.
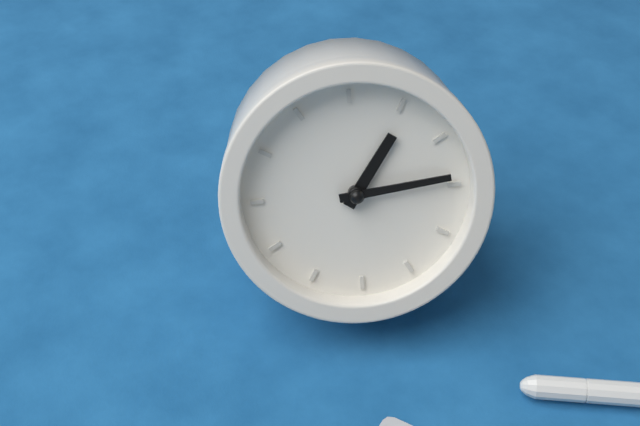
12 h 09 min
